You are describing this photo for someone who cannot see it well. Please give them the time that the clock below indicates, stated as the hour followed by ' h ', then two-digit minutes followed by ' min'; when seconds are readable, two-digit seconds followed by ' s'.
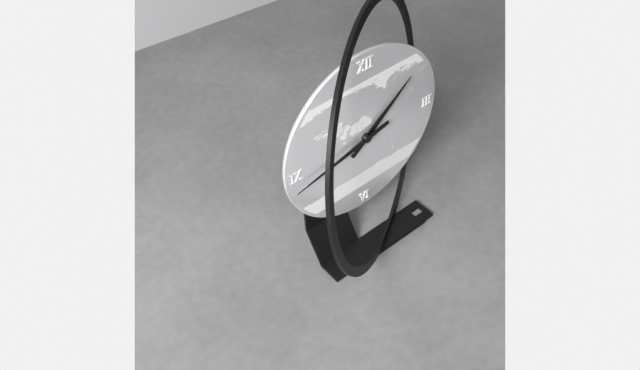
1 h 43 min
